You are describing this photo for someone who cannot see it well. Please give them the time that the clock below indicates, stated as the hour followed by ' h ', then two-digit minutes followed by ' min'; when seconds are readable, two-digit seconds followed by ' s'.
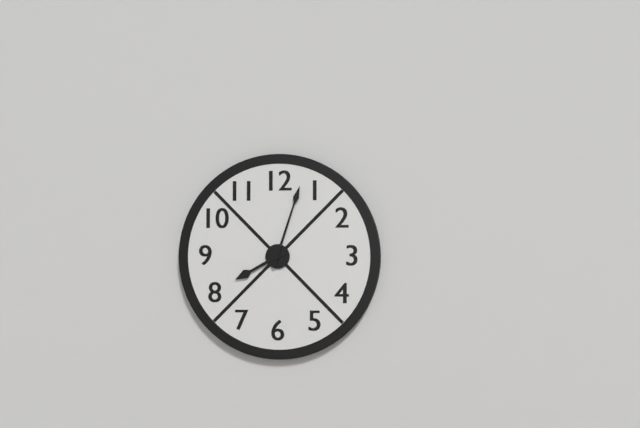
8 h 03 min
